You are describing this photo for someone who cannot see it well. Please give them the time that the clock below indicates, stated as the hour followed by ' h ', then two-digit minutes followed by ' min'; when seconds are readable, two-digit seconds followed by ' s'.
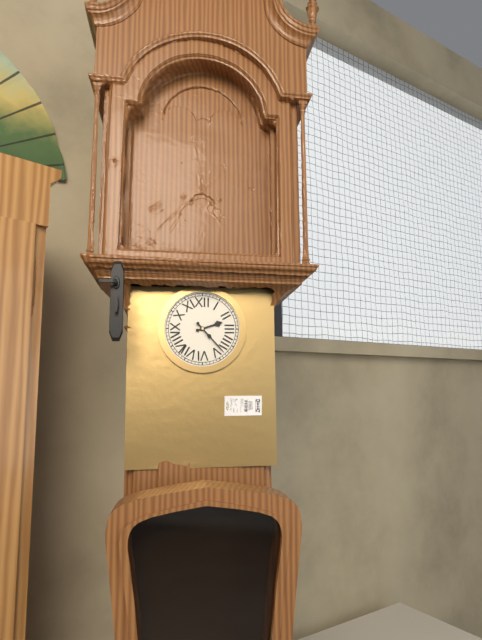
2 h 23 min
